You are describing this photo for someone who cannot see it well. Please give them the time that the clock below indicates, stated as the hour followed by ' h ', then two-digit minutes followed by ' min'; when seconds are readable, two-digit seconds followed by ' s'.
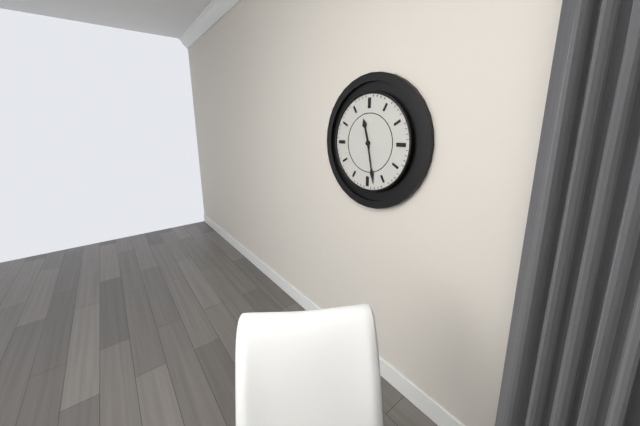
11 h 28 min
